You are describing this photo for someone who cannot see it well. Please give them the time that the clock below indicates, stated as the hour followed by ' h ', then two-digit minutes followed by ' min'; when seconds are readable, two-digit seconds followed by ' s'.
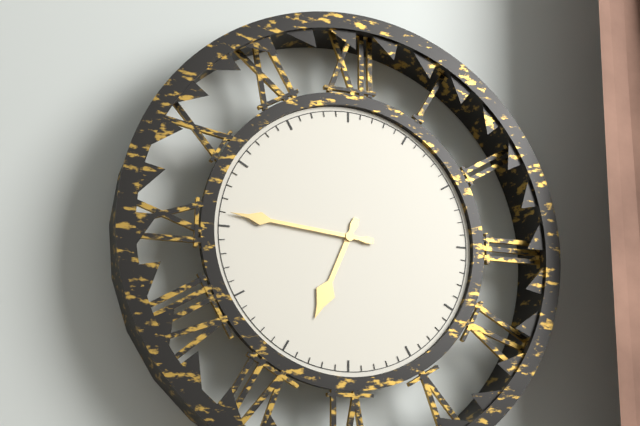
6 h 46 min
